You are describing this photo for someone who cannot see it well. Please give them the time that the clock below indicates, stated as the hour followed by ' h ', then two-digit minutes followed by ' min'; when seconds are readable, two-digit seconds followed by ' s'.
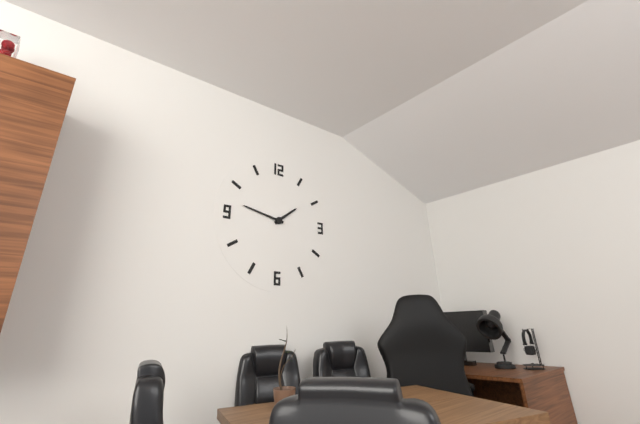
1 h 47 min
